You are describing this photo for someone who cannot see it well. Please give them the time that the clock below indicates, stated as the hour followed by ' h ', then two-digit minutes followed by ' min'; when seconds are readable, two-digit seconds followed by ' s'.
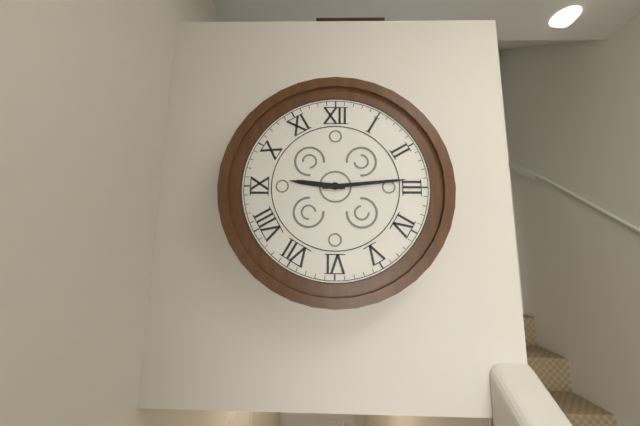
9 h 14 min
